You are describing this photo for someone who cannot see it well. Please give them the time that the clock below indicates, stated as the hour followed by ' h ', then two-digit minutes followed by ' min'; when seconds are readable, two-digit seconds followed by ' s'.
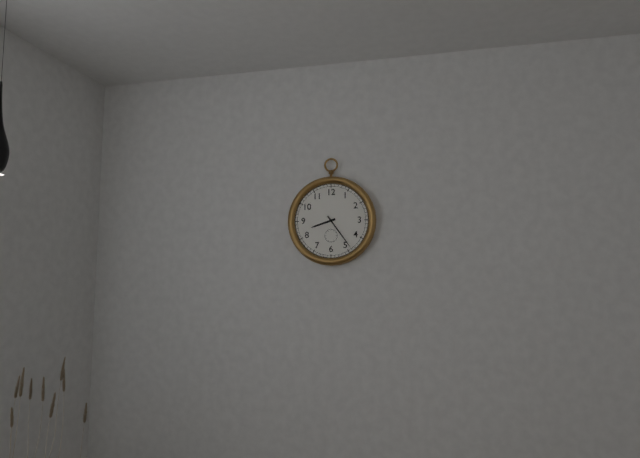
8 h 24 min
